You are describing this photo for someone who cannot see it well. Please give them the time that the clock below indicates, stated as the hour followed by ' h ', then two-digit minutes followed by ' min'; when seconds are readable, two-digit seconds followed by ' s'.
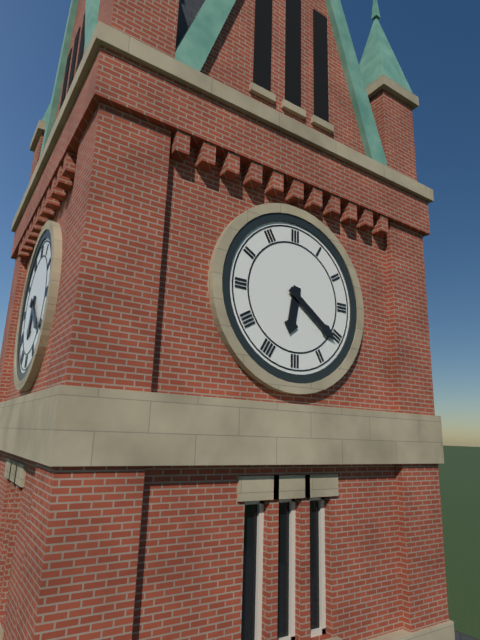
6 h 21 min
